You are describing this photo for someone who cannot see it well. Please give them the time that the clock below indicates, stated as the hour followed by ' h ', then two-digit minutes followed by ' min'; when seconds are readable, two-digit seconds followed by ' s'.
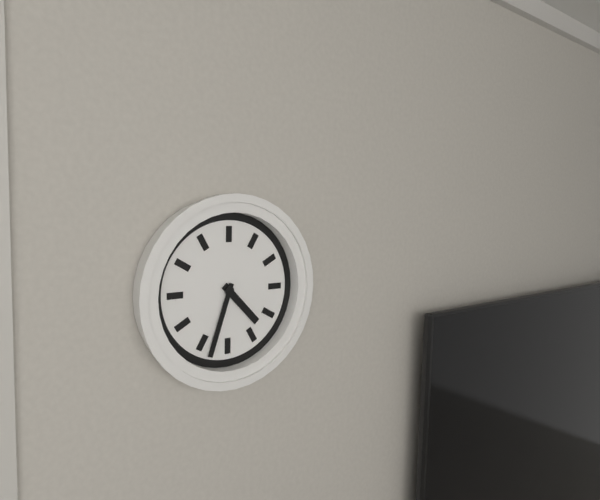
4 h 33 min
